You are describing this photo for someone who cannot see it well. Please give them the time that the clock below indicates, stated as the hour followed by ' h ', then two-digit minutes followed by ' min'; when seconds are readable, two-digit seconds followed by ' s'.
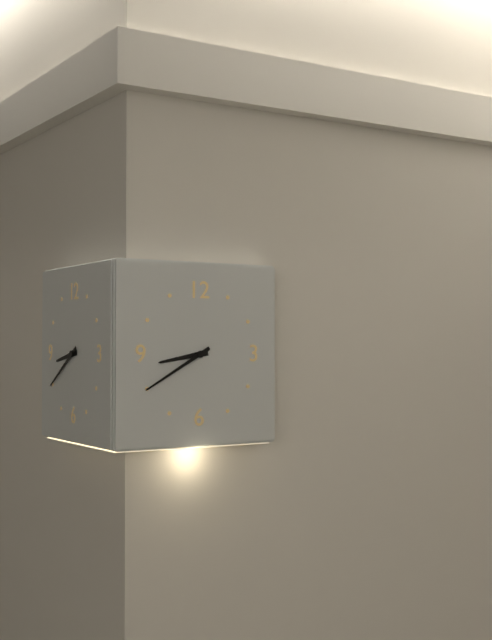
8 h 40 min
